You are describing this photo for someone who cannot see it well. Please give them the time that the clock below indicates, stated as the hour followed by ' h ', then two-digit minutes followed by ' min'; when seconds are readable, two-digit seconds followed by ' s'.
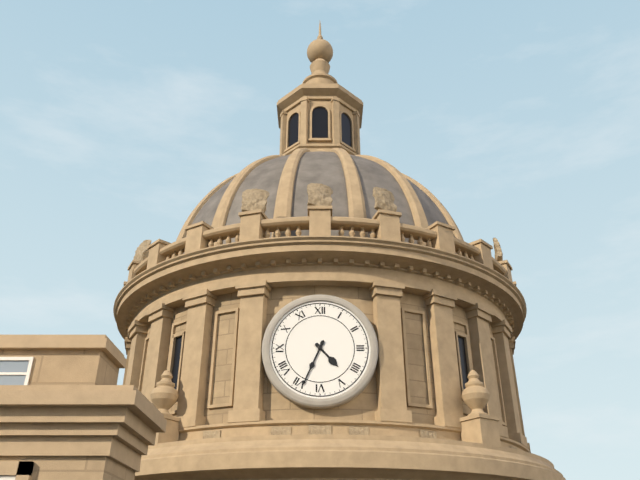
4 h 34 min
